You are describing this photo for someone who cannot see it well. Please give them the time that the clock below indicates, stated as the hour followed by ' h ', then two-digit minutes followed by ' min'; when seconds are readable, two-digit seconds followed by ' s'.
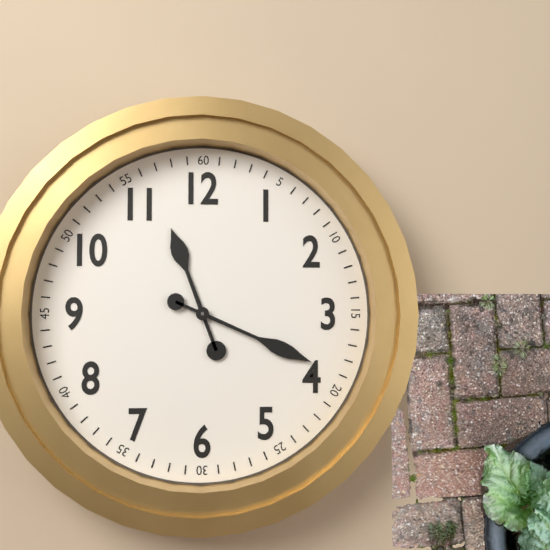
11 h 19 min
